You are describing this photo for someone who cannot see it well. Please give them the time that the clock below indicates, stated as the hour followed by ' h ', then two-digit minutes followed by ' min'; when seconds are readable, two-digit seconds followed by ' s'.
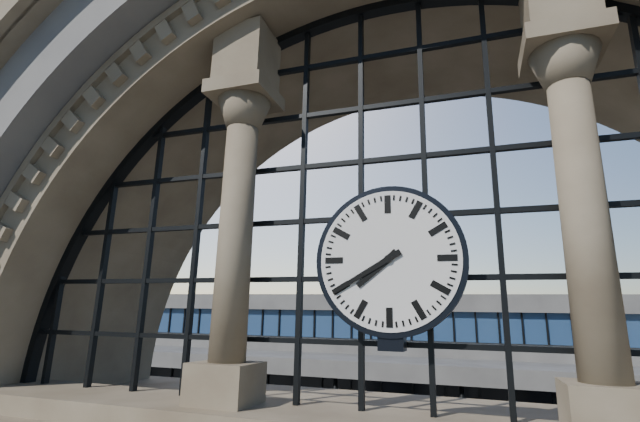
7 h 40 min
